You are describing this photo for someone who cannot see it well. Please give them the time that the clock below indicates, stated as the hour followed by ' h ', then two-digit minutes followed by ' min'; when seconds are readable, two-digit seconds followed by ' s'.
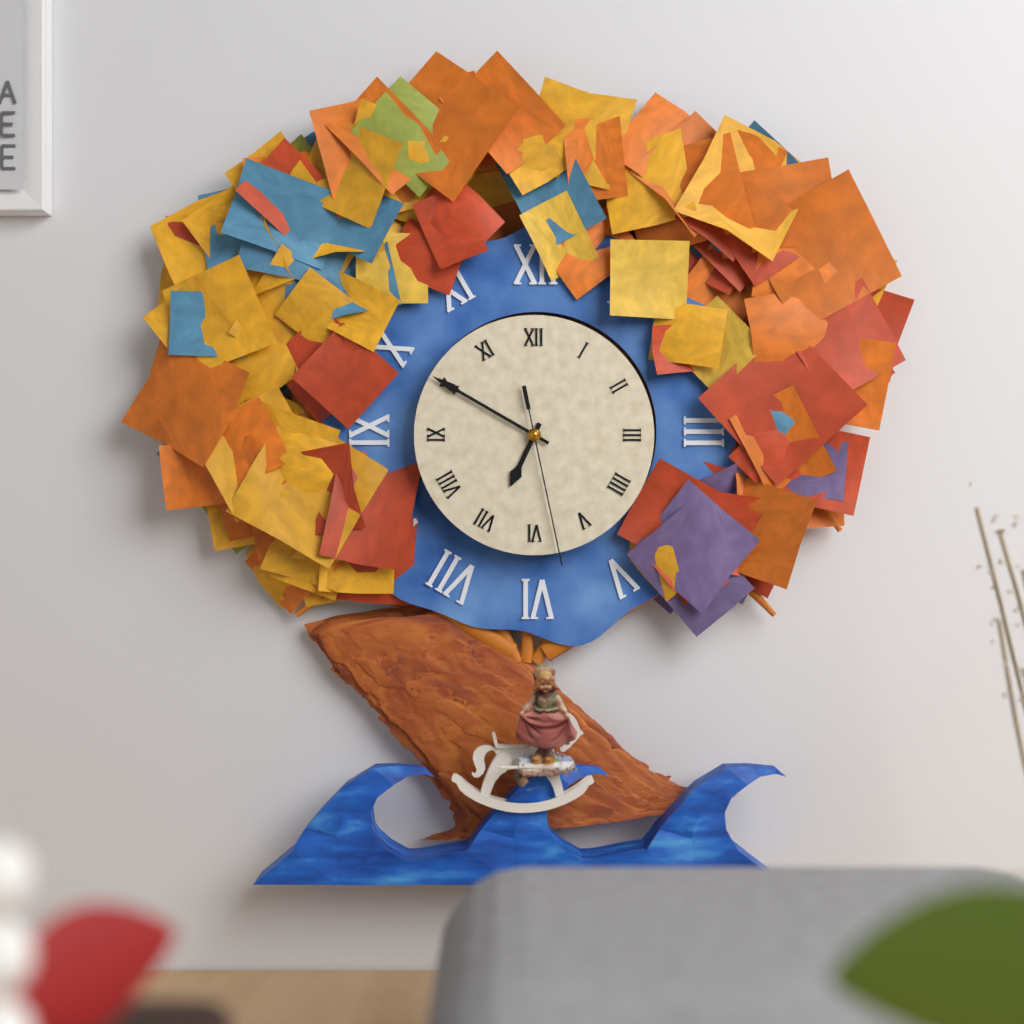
6 h 50 min 28 s
